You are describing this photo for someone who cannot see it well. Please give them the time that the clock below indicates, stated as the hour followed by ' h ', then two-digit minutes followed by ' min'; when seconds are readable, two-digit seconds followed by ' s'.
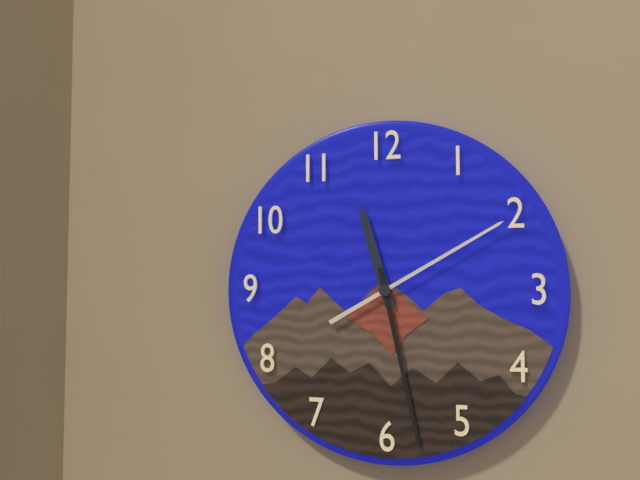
11 h 28 min 10 s
